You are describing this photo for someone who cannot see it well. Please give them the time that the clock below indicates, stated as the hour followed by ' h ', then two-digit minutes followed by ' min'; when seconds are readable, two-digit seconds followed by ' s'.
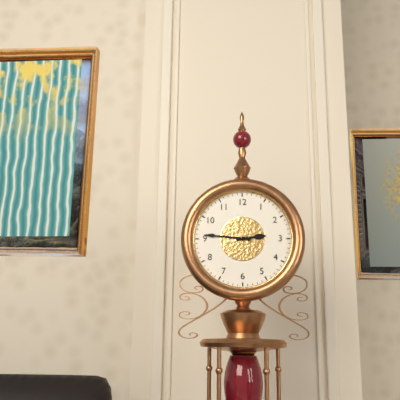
2 h 46 min
